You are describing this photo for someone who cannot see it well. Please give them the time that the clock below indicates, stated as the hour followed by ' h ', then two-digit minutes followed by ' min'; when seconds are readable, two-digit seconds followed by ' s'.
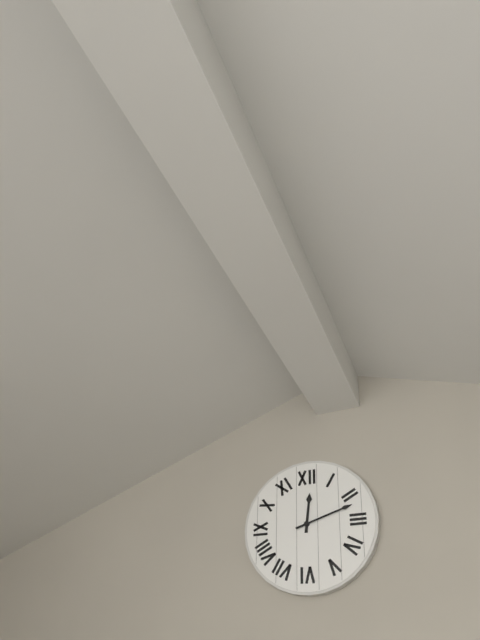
12 h 12 min
